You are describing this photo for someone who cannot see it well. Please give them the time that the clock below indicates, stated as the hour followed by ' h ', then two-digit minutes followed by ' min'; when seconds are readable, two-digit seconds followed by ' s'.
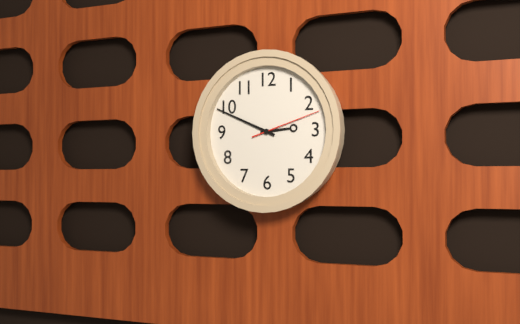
2 h 49 min 12 s
